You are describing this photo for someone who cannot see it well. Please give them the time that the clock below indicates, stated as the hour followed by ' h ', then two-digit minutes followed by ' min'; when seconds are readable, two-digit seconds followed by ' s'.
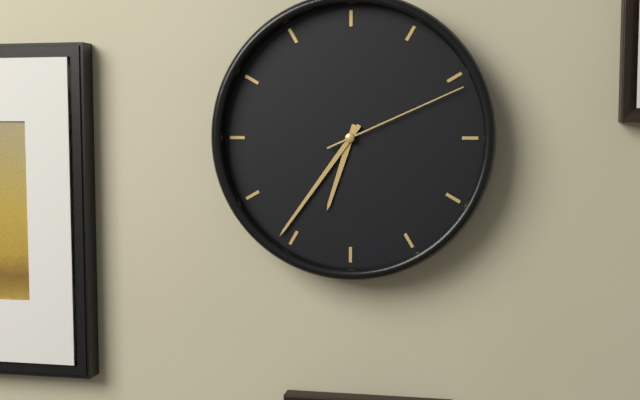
6 h 36 min 11 s
